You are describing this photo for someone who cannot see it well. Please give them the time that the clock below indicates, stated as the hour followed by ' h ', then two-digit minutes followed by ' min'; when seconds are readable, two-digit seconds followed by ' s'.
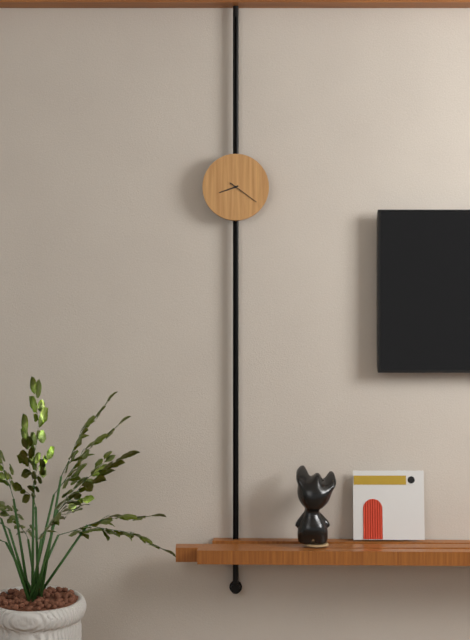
8 h 21 min
